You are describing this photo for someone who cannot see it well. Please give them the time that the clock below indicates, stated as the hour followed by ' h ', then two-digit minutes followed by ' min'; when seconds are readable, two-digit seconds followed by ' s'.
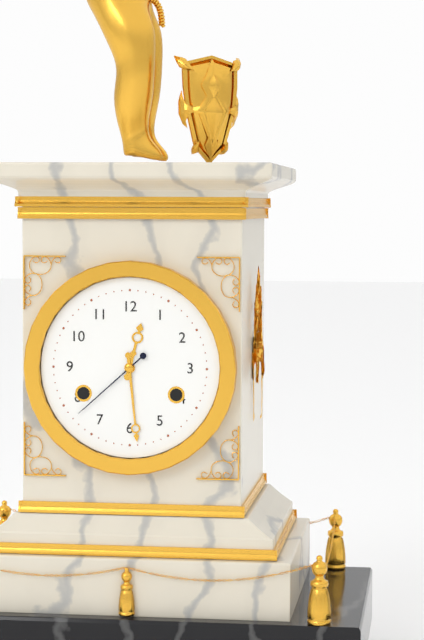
12 h 29 min 38 s
